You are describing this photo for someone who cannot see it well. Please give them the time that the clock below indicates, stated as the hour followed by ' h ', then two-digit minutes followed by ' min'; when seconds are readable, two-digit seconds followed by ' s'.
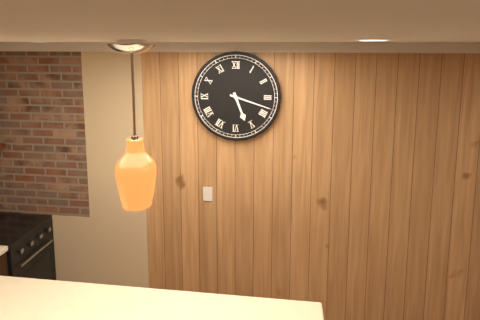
5 h 18 min
